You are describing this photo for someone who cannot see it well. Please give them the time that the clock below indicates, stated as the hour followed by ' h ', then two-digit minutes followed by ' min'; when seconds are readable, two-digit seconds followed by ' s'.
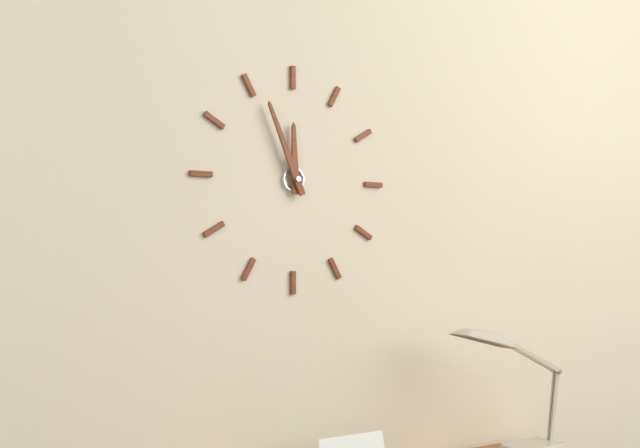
11 h 56 min
